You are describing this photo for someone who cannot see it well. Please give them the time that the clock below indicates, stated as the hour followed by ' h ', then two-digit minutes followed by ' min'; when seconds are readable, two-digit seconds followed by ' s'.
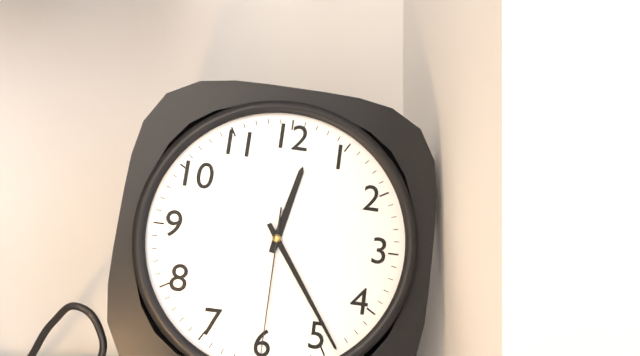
12 h 24 min 30 s
